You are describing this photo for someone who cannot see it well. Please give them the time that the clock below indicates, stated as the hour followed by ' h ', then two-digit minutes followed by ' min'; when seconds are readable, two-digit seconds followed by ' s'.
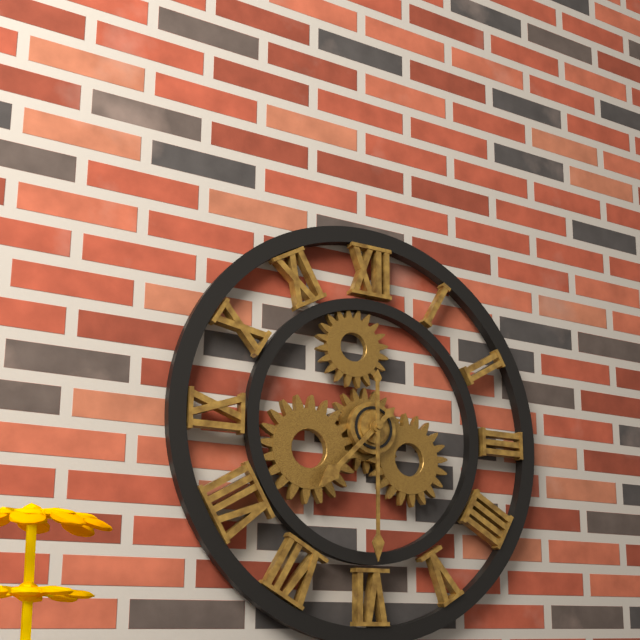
7 h 30 min
